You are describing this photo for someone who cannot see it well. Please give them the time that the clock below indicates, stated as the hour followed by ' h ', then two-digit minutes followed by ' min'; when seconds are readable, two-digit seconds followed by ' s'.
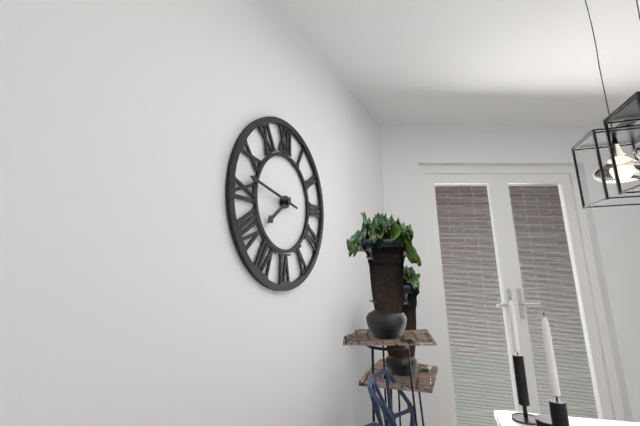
7 h 47 min
